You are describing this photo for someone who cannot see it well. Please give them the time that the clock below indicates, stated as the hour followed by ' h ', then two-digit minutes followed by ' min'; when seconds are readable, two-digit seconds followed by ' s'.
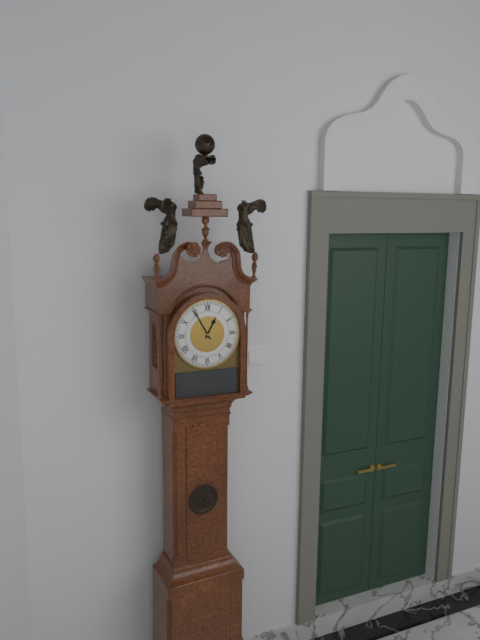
12 h 55 min
